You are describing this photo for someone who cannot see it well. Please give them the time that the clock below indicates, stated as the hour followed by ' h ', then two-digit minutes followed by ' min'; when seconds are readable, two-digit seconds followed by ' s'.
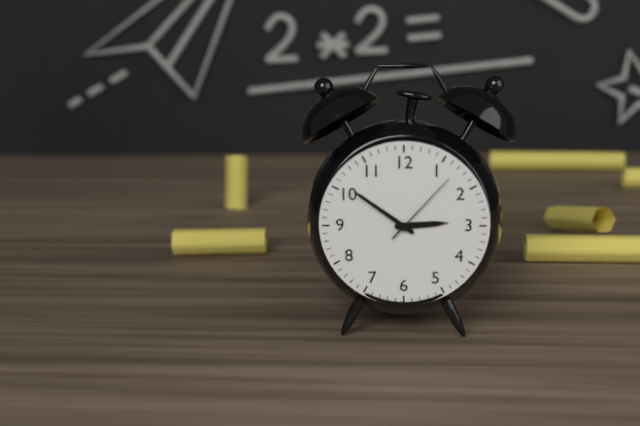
2 h 51 min 07 s
